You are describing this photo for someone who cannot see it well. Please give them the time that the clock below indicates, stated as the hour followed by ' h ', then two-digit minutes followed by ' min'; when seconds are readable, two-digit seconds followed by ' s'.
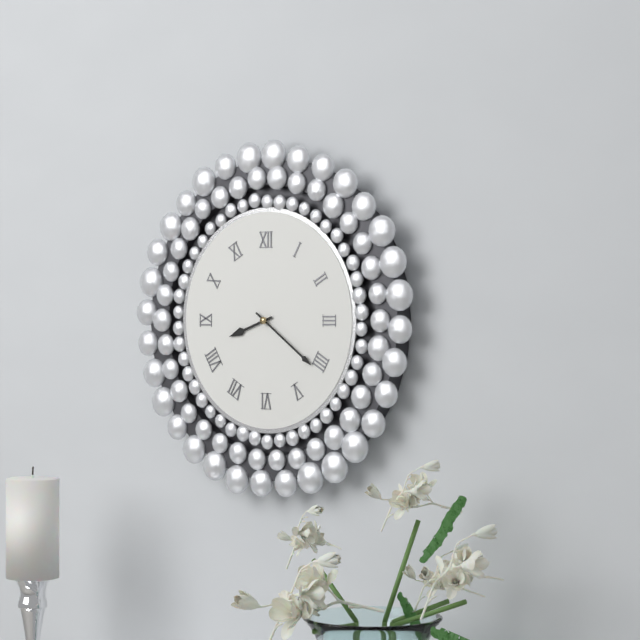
8 h 21 min
